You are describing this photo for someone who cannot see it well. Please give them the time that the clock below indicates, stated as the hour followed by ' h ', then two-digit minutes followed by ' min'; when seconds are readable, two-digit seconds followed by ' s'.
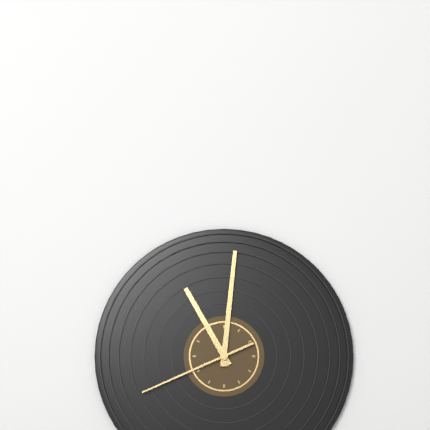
11 h 01 min 41 s
